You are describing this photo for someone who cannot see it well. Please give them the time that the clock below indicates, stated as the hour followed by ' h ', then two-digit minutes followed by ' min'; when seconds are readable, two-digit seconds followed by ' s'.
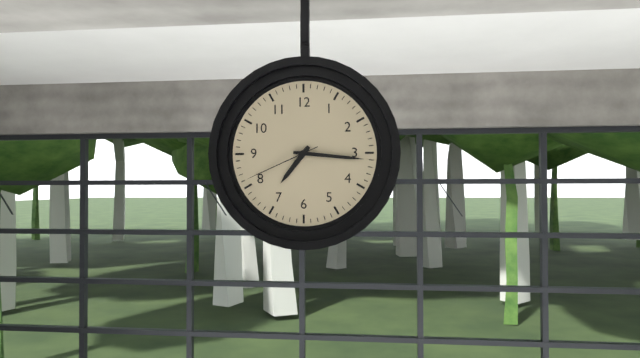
7 h 16 min 41 s
